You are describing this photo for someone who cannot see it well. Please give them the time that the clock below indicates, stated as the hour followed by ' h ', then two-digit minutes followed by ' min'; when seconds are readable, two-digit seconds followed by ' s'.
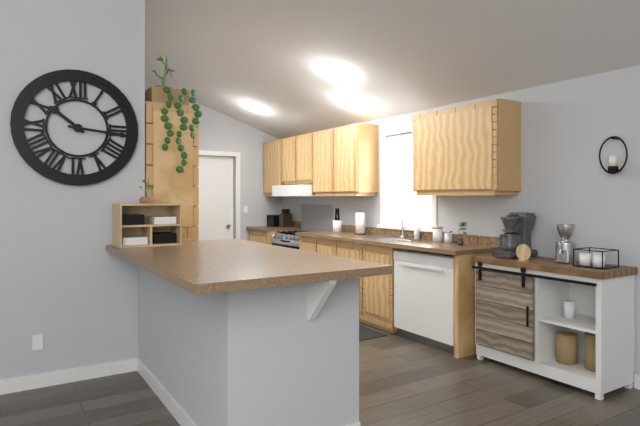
10 h 16 min
